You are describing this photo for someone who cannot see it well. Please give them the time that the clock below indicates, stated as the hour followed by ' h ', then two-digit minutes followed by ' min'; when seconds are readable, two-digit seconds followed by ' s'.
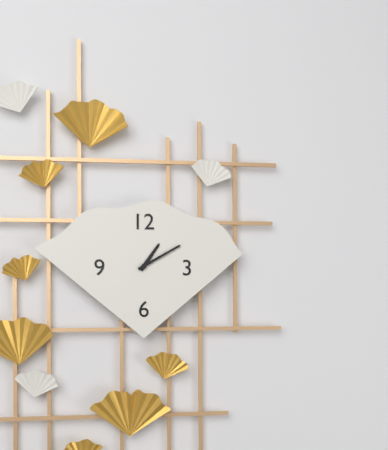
1 h 10 min
